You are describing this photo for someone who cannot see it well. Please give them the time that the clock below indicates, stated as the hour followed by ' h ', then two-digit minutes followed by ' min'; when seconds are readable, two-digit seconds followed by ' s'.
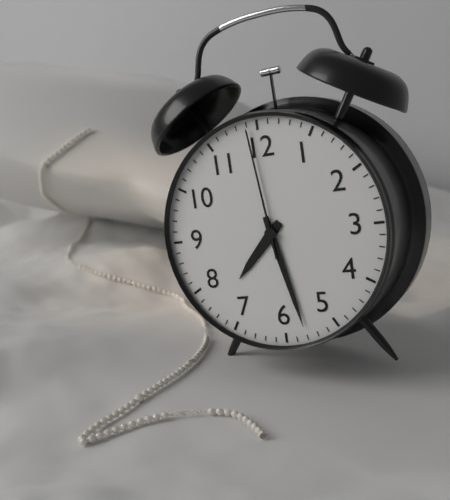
7 h 28 min 59 s
